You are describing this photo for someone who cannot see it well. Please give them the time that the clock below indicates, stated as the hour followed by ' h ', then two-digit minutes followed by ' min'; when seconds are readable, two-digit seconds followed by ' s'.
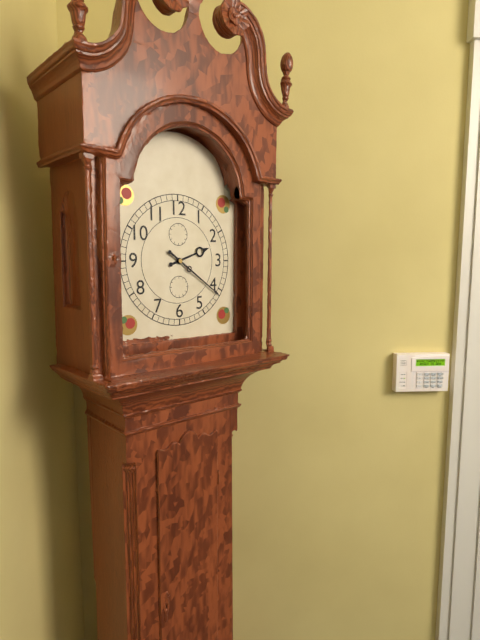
2 h 21 min
